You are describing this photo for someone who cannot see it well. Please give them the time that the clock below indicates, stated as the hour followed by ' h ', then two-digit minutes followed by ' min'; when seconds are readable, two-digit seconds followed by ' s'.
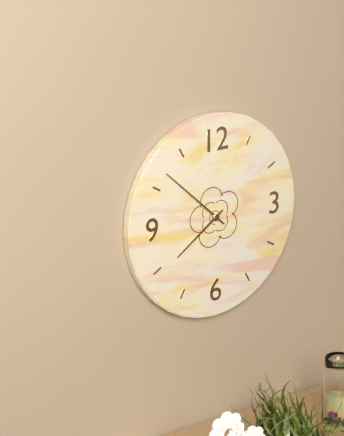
7 h 52 min
